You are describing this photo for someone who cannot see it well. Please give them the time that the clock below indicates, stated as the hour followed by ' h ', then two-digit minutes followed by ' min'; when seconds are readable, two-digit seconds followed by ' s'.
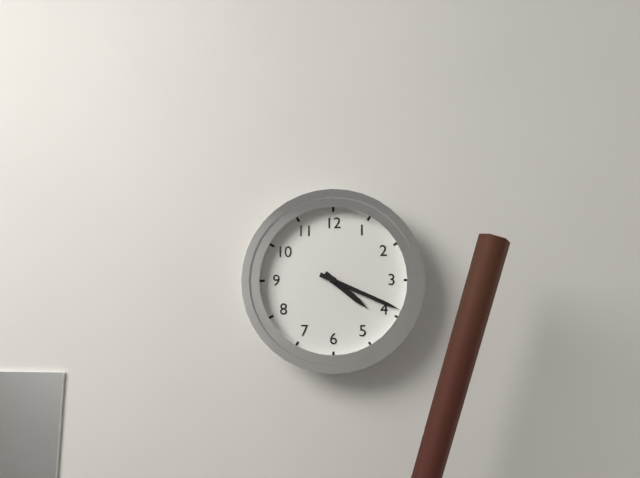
4 h 19 min
